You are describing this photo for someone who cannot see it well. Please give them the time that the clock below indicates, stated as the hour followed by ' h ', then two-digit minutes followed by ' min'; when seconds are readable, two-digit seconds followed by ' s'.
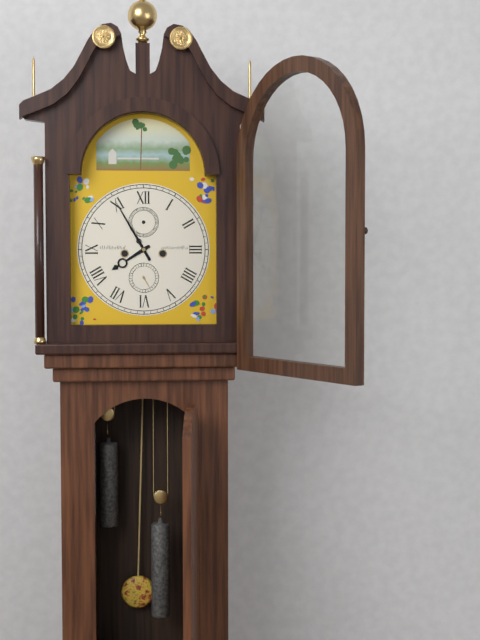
7 h 55 min
